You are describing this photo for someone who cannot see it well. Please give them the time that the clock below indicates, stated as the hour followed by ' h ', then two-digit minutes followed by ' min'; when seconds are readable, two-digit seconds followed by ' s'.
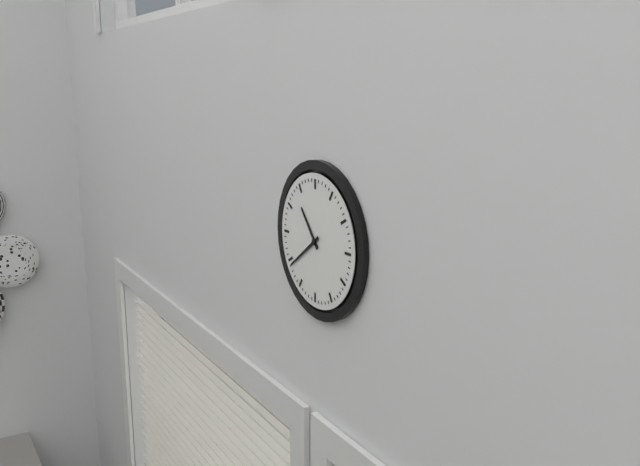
10 h 39 min
